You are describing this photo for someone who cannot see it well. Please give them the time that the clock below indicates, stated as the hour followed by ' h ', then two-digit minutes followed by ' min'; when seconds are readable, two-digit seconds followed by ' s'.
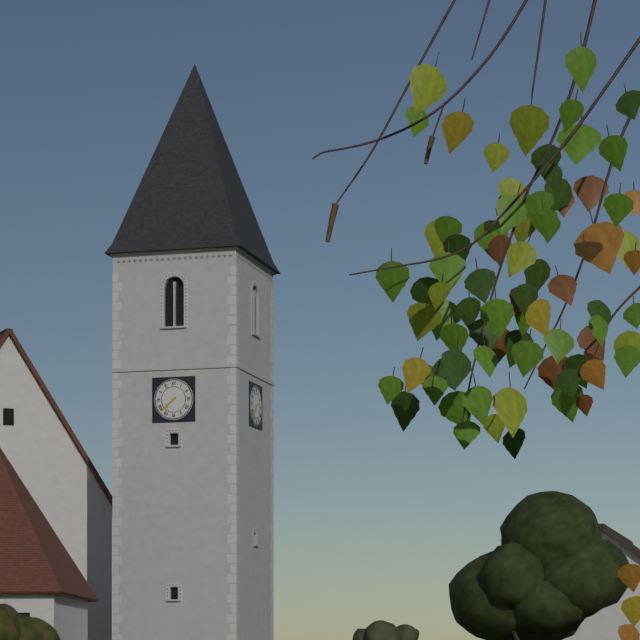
7 h 38 min
